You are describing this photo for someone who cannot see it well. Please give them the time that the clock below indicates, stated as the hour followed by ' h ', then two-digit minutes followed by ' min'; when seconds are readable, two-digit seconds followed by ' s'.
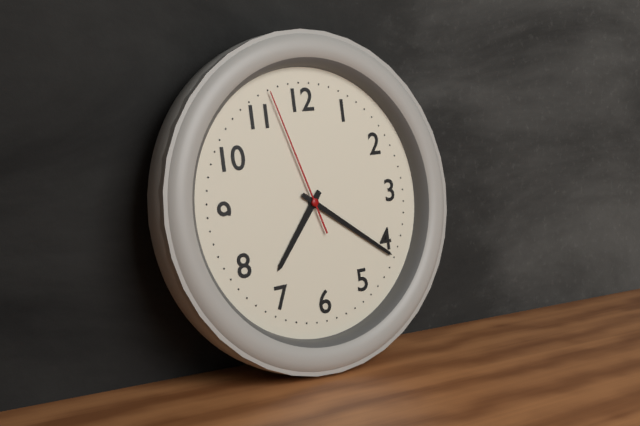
7 h 21 min 57 s
